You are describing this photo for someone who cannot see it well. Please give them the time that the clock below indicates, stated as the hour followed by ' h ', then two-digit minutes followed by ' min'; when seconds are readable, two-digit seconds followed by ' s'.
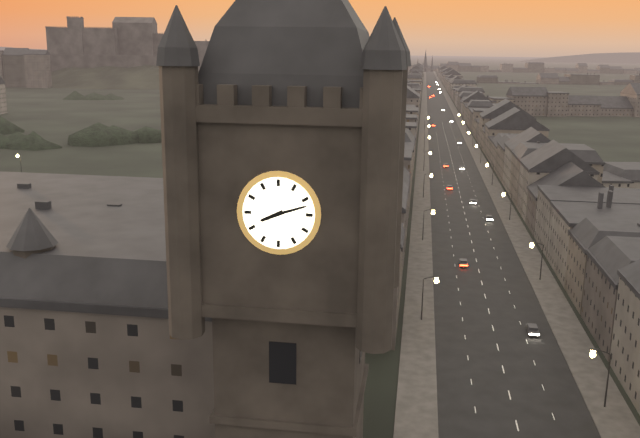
8 h 12 min
